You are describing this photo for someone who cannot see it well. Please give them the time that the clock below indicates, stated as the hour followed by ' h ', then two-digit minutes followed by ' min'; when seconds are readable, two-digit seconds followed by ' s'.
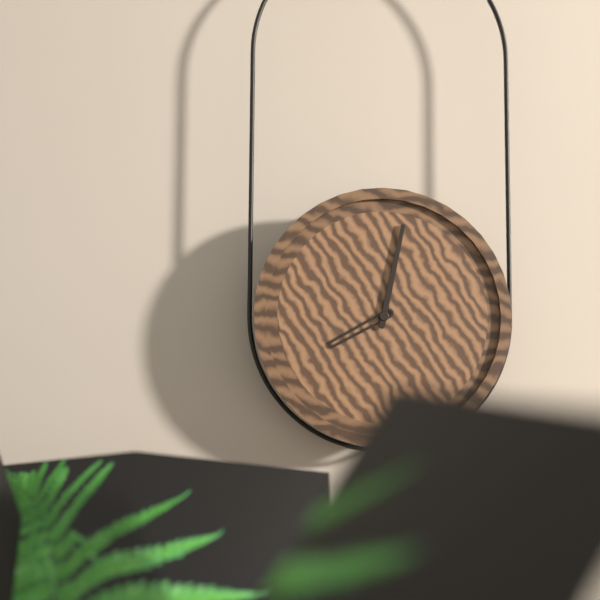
8 h 02 min
